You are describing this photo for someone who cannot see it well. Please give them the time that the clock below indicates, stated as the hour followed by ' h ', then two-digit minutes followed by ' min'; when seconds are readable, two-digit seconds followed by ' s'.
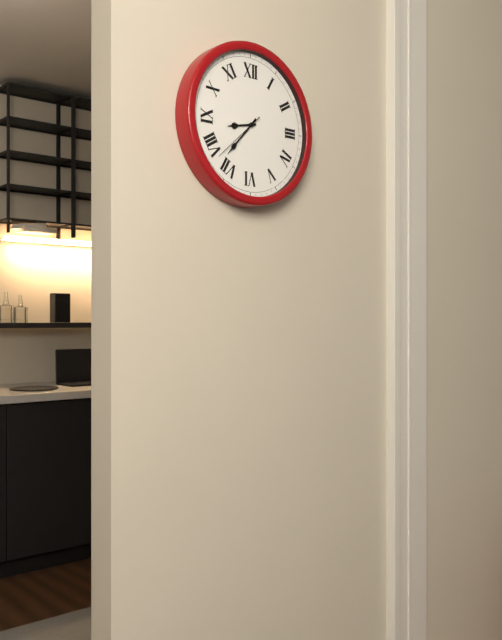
8 h 37 min
